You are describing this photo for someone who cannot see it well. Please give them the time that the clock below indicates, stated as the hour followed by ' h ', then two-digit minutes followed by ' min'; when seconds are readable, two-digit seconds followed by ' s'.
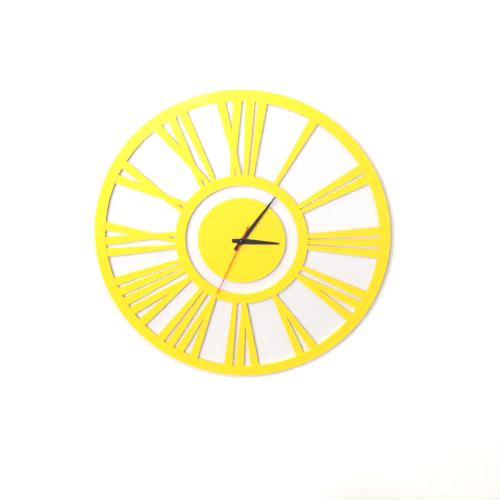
3 h 06 min 34 s
